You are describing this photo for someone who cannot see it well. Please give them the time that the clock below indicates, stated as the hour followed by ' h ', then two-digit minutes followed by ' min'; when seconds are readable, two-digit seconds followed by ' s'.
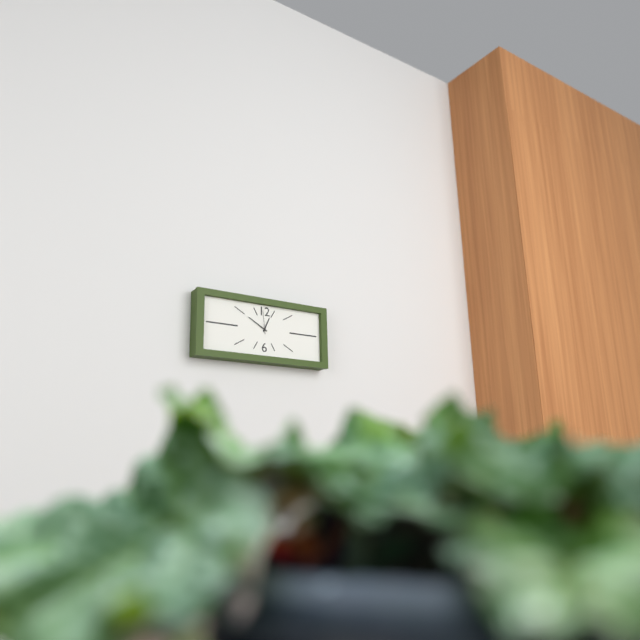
12 h 50 min
